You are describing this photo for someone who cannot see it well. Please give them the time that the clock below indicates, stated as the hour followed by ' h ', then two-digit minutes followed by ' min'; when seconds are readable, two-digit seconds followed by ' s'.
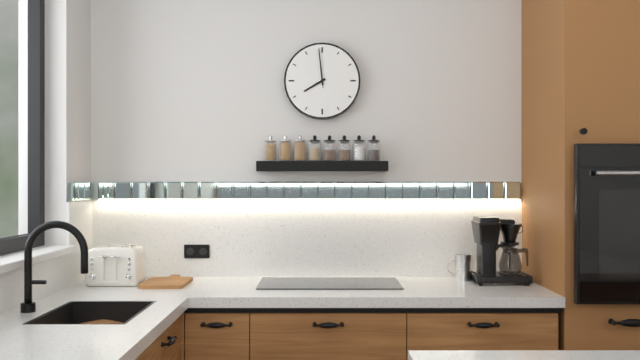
7 h 59 min
